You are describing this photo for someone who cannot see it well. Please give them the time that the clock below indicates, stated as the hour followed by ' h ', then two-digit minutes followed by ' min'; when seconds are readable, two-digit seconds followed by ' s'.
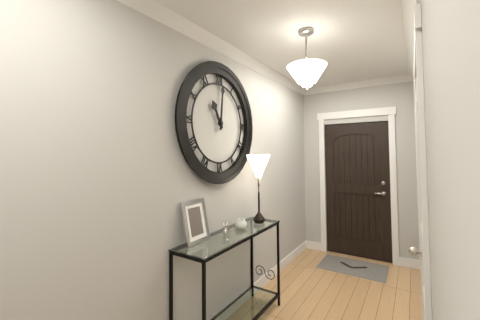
11 h 01 min
